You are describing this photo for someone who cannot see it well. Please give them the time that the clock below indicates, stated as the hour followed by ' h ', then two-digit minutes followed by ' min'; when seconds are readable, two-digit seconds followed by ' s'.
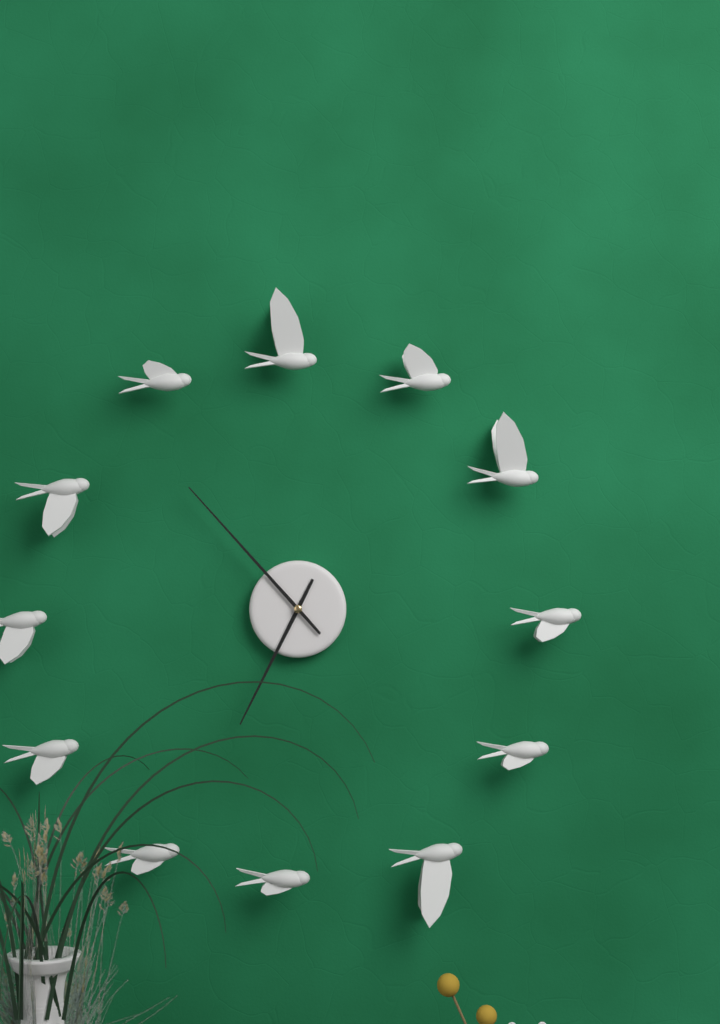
6 h 53 min
